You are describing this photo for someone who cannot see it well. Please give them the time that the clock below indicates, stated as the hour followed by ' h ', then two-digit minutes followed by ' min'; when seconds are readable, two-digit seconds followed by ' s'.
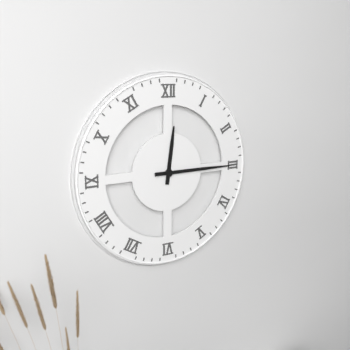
12 h 15 min
